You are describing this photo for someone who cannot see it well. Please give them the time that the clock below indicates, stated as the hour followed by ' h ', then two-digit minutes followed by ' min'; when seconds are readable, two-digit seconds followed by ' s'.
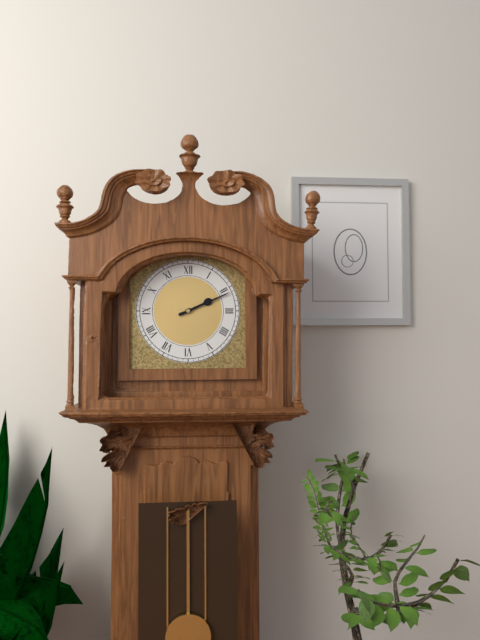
2 h 11 min
